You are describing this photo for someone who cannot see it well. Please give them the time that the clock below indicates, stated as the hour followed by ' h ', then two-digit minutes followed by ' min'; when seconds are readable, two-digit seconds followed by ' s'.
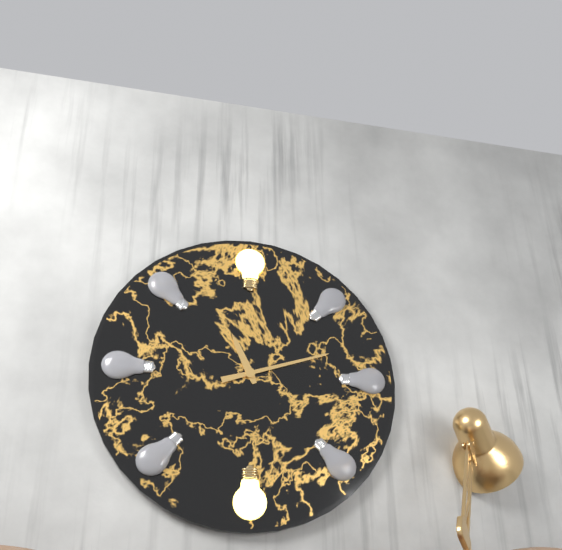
11 h 12 min
